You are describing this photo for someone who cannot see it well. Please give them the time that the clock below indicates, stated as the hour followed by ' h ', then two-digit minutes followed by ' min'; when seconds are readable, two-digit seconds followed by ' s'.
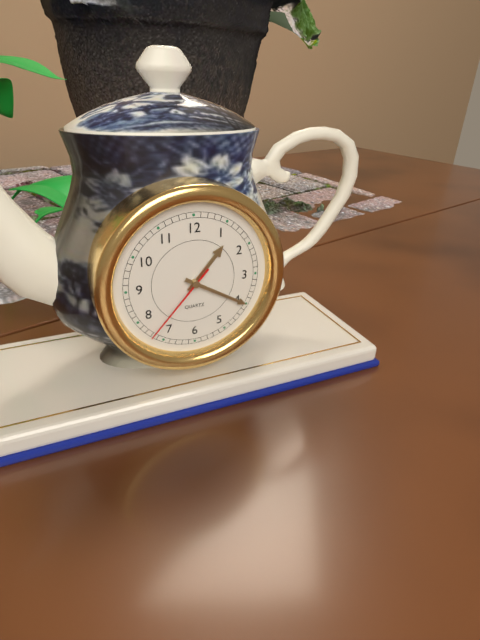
1 h 20 min 37 s
